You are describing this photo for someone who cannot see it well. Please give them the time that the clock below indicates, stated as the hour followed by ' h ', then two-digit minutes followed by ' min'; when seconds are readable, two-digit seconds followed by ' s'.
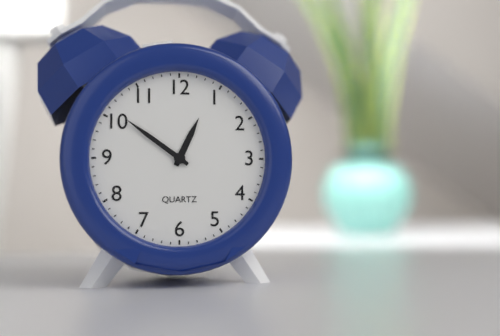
12 h 51 min
